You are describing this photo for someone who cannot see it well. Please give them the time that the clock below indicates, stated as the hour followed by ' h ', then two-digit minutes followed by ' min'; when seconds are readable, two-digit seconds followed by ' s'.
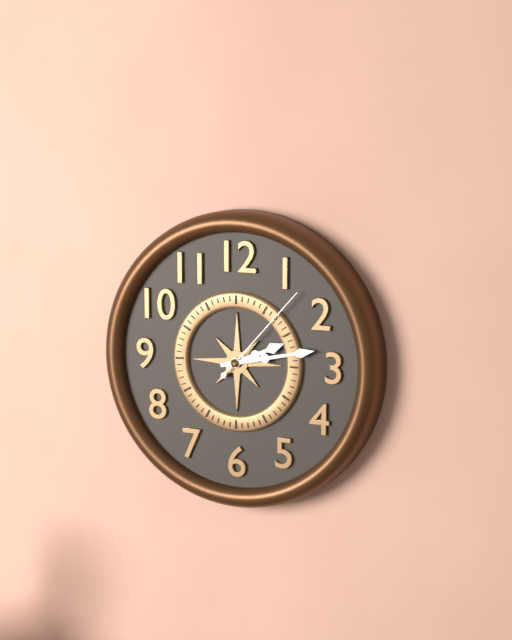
2 h 13 min 07 s
